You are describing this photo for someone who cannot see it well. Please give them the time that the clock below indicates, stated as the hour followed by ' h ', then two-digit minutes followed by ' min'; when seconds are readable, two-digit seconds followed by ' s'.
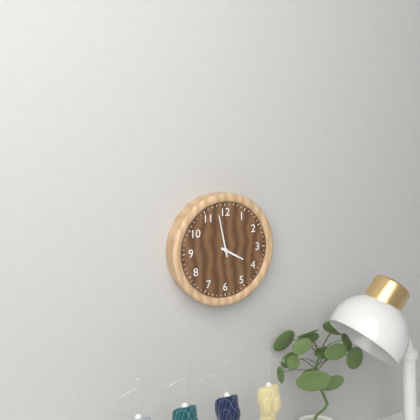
3 h 58 min
